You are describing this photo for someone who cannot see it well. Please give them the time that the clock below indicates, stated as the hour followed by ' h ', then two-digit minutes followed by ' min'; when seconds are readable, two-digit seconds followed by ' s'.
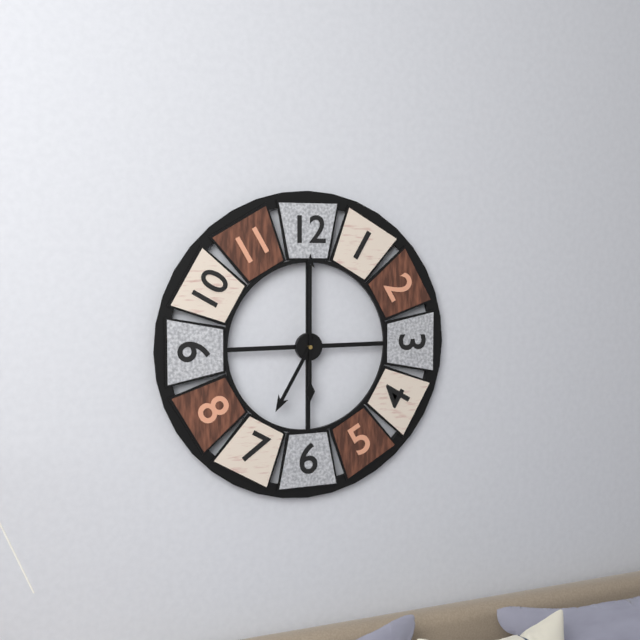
7 h 00 min
